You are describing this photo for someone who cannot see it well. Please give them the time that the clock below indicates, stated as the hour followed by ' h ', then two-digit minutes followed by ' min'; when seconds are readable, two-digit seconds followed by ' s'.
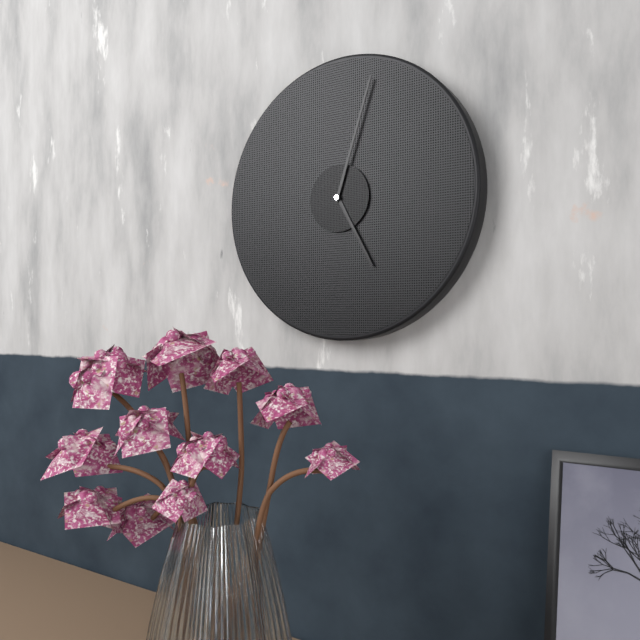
5 h 03 min
